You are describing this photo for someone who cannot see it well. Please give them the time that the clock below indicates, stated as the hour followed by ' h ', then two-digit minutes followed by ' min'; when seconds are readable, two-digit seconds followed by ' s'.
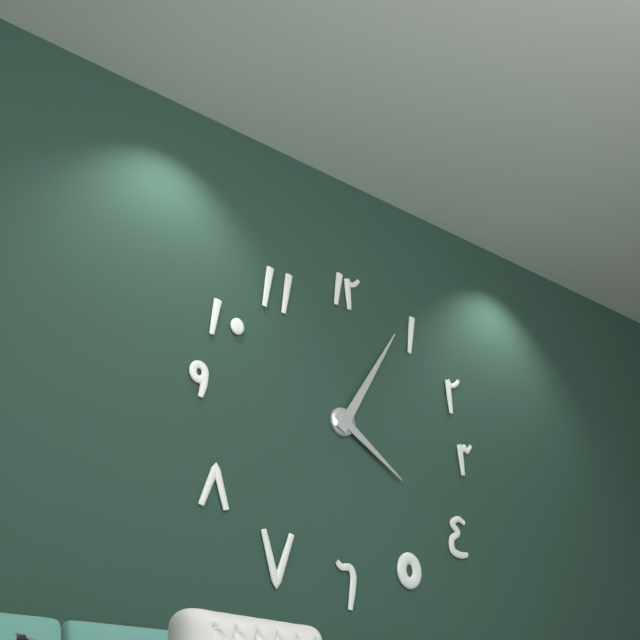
4 h 05 min
